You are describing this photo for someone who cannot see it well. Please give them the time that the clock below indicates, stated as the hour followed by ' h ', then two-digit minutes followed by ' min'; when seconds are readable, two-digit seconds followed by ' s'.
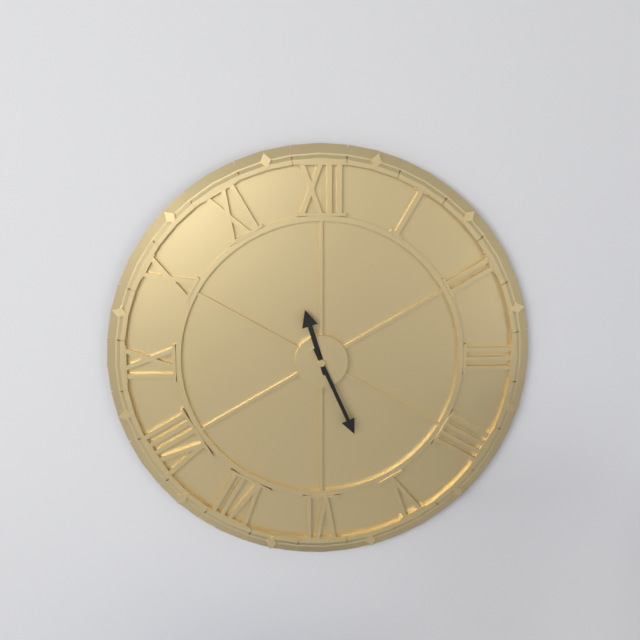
11 h 26 min
